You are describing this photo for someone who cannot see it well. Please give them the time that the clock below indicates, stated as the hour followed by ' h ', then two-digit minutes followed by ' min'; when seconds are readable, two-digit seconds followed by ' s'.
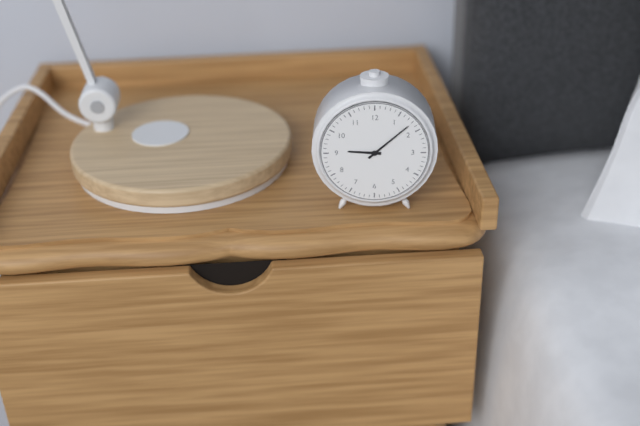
9 h 08 min
